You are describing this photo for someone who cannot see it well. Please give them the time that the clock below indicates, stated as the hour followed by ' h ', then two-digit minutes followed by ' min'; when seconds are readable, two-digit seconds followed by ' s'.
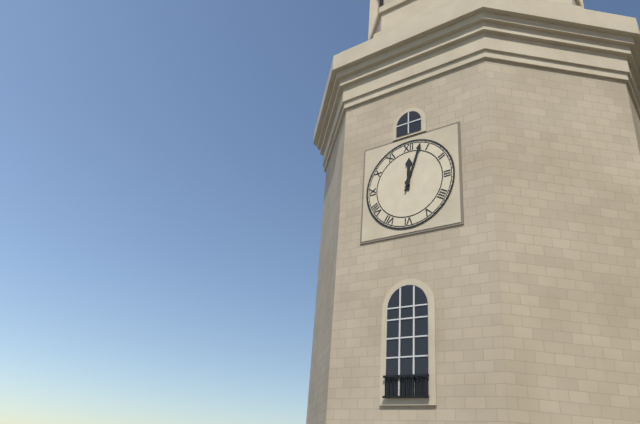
12 h 03 min
